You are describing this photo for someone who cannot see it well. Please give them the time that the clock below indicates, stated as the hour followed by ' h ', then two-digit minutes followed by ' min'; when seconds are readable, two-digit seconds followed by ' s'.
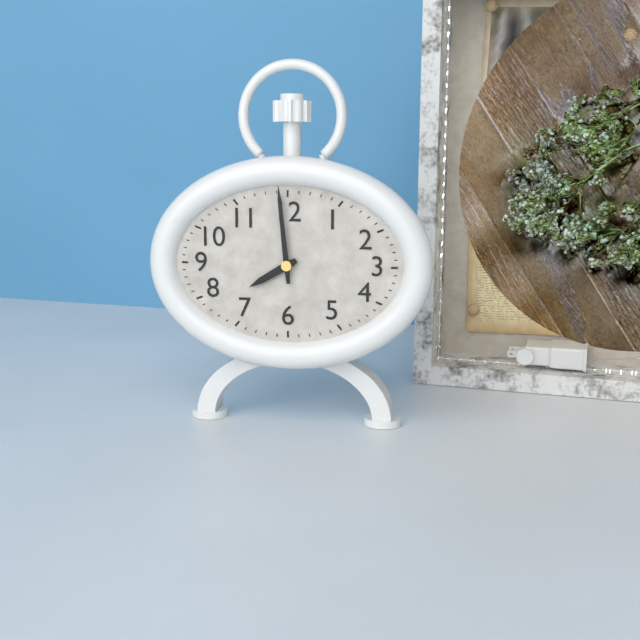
7 h 59 min
